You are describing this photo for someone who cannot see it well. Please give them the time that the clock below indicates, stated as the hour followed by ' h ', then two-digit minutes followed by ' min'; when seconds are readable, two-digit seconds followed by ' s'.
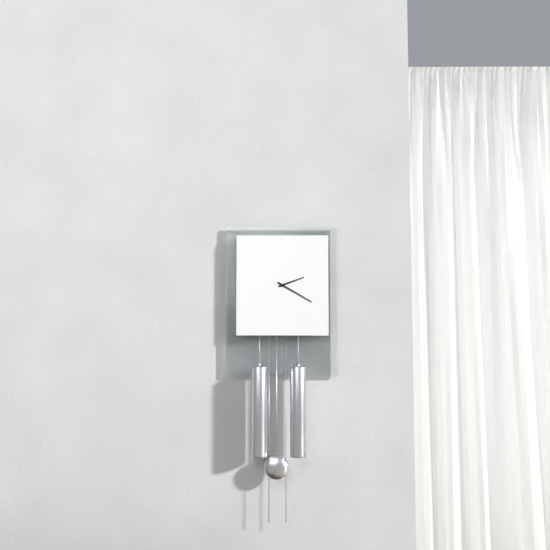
2 h 20 min
